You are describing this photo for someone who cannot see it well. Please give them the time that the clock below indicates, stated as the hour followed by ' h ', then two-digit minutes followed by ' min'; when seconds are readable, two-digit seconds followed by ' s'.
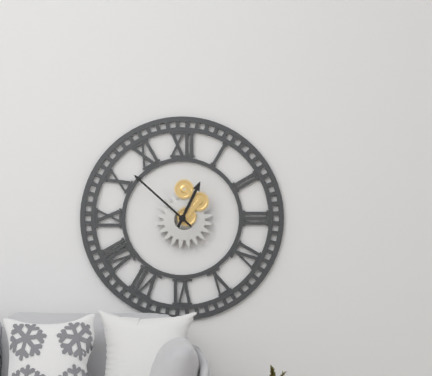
12 h 52 min
